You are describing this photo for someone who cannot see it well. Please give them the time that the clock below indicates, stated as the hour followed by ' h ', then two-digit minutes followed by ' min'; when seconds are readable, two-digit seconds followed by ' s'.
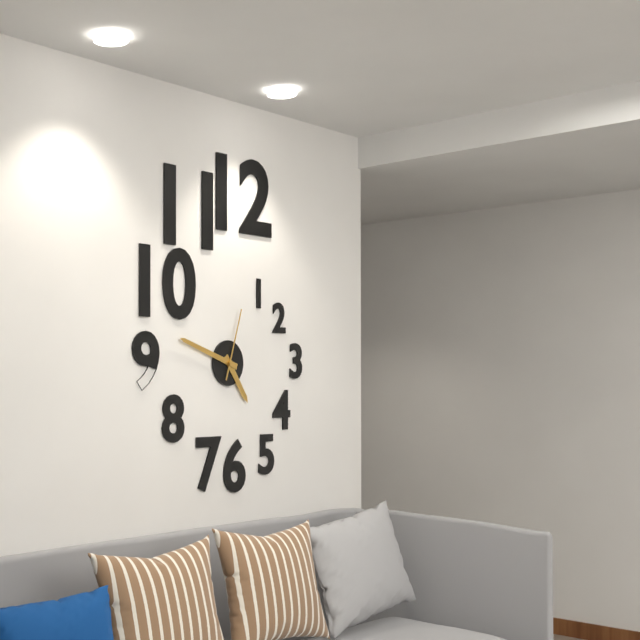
4 h 48 min 03 s
